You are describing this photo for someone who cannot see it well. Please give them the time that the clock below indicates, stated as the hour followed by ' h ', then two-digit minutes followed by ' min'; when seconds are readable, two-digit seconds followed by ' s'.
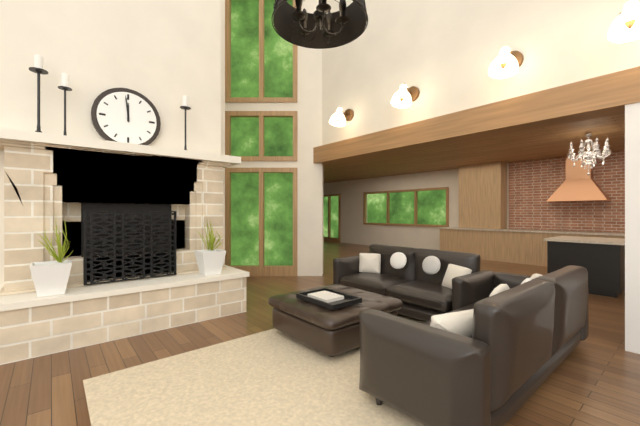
11 h 59 min
